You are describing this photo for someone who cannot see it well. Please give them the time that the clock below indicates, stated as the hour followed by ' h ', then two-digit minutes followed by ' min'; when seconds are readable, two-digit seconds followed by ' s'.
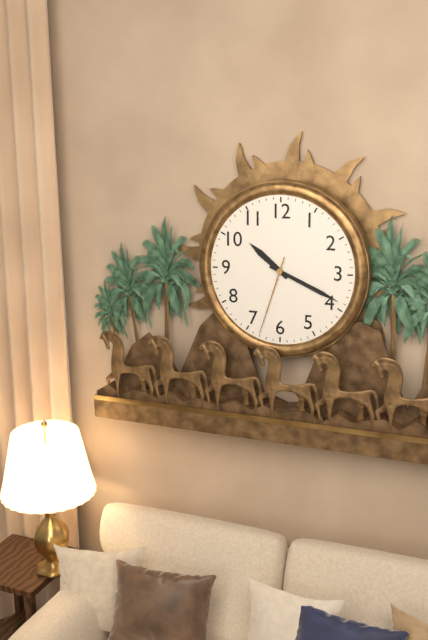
10 h 19 min 33 s
